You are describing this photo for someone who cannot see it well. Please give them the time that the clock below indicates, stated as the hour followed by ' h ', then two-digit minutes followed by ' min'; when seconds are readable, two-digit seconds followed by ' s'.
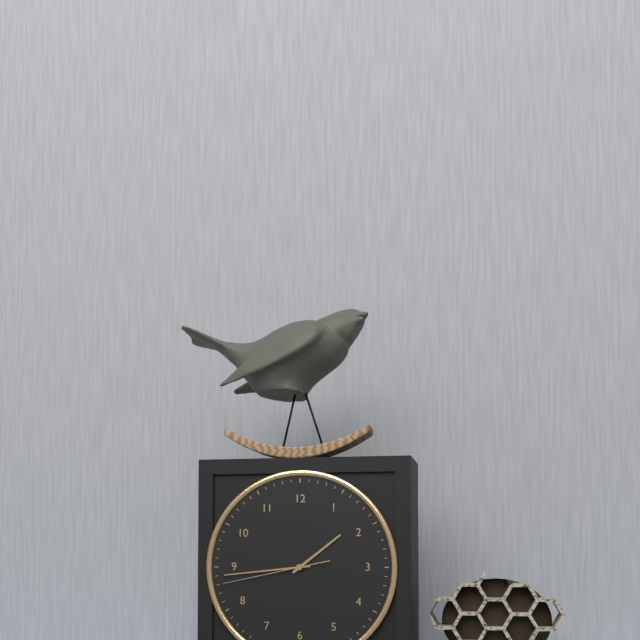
1 h 44 min 43 s
